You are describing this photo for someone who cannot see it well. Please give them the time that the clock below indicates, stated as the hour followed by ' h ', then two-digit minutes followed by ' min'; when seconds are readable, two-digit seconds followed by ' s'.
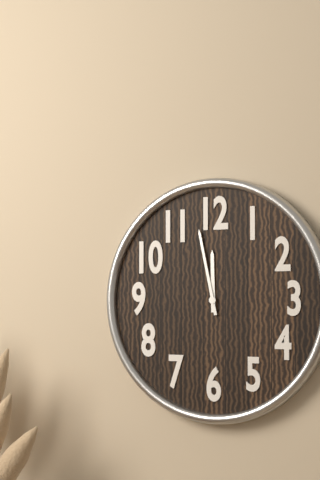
11 h 58 min
